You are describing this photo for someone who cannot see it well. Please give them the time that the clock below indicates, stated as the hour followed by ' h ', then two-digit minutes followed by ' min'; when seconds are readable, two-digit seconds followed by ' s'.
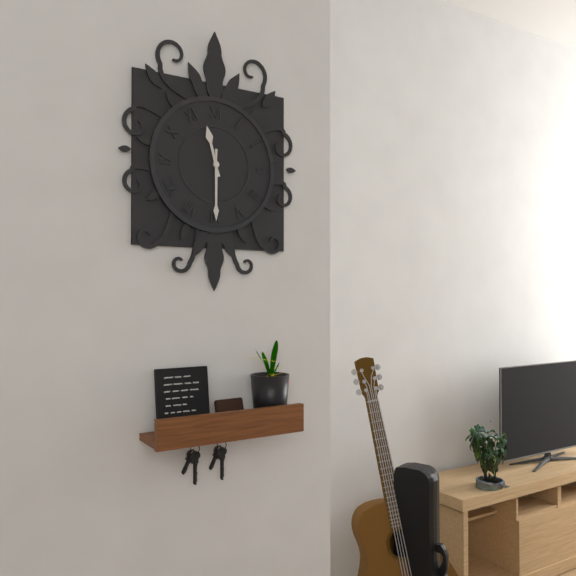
11 h 30 min
